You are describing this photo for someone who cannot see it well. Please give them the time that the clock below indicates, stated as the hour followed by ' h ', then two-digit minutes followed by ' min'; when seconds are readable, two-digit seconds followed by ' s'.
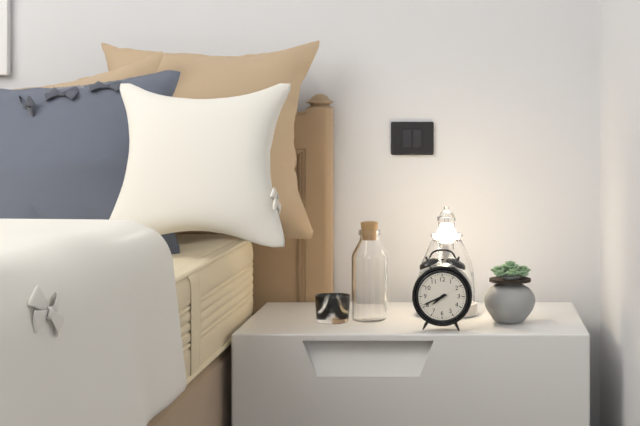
7 h 41 min
